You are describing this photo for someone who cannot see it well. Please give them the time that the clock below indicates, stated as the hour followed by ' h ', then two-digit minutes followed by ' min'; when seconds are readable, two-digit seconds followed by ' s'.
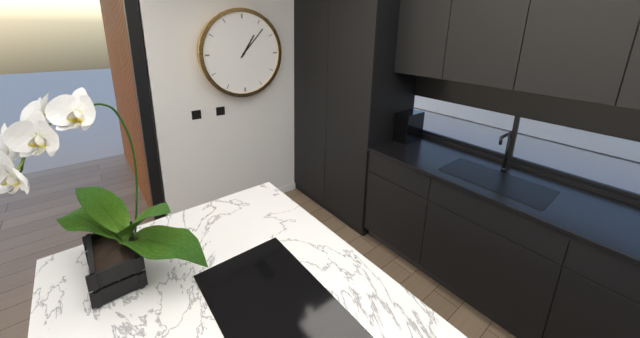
1 h 07 min
